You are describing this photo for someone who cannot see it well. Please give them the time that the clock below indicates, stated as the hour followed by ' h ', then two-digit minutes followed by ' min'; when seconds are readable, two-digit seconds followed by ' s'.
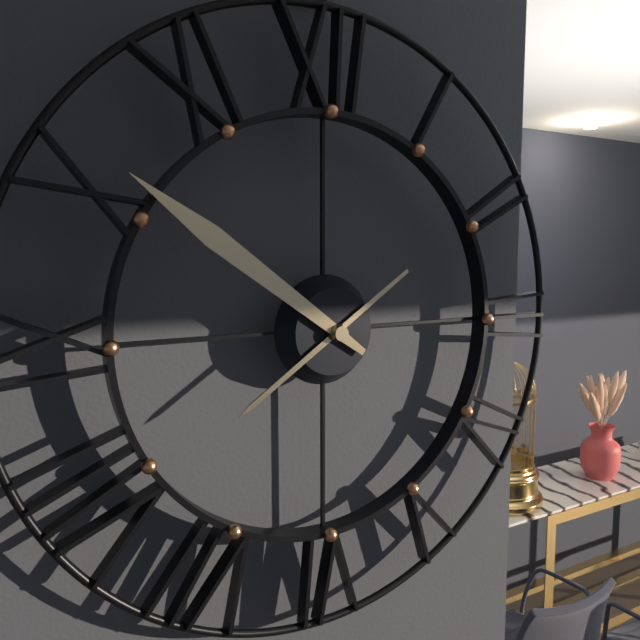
7 h 51 min
